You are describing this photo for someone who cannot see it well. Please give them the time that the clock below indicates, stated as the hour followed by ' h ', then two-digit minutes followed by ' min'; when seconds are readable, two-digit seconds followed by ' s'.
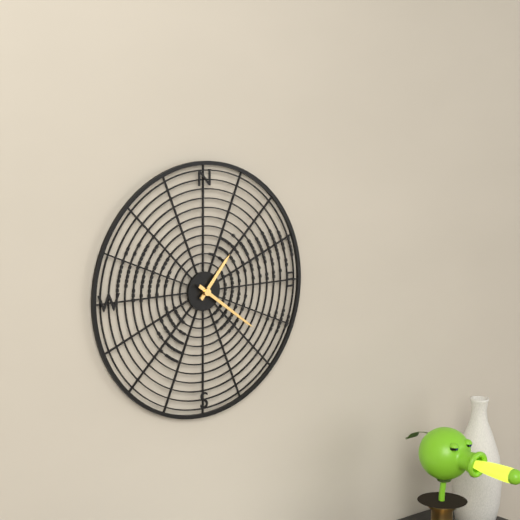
1 h 21 min
